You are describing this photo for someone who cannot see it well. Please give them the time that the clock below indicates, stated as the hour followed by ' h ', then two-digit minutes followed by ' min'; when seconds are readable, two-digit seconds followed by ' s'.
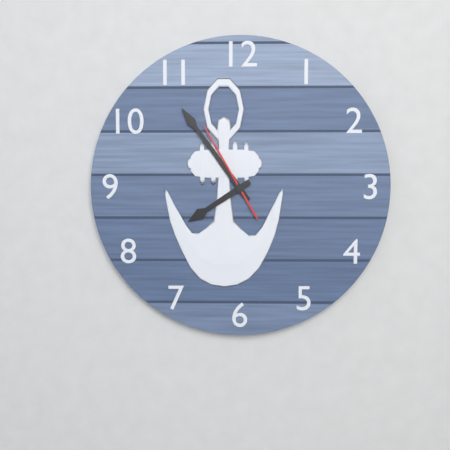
7 h 54 min 55 s
